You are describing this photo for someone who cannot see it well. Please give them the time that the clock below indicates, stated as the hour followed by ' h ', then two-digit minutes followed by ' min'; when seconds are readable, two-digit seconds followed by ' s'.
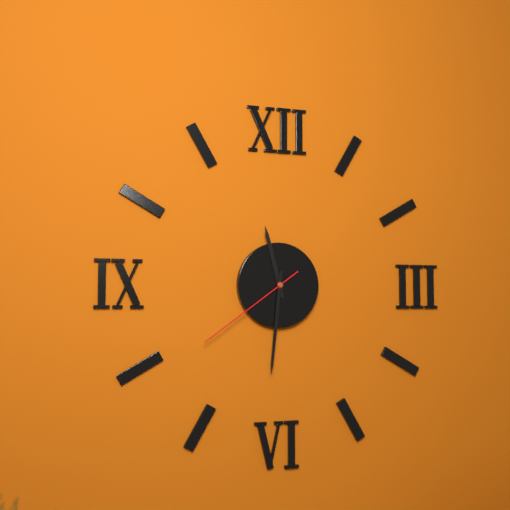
11 h 31 min 39 s
